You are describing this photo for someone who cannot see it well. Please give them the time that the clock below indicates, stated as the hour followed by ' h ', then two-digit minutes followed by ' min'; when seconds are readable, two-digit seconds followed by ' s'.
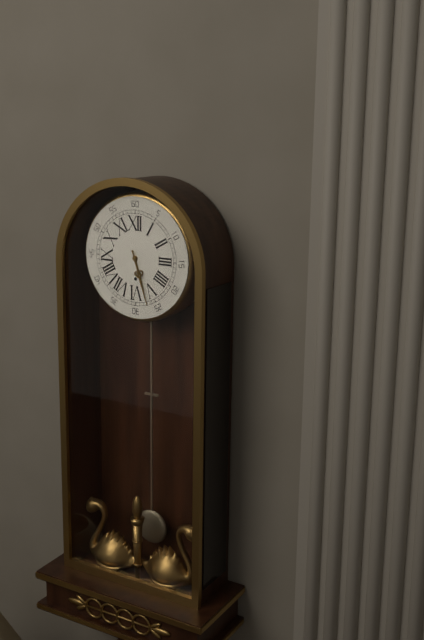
5 h 27 min
